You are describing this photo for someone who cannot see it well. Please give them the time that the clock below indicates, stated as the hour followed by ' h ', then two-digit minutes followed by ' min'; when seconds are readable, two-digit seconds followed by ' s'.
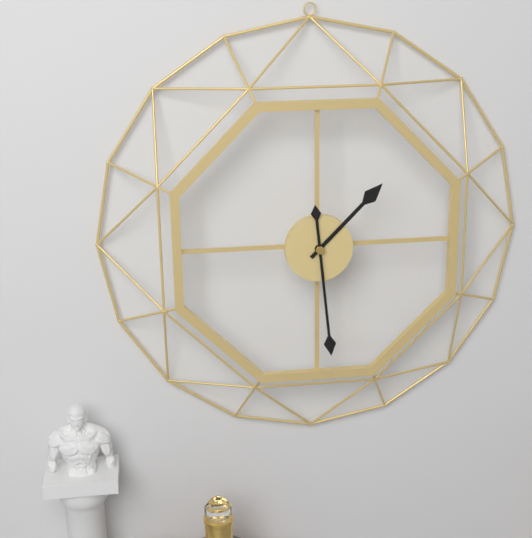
1 h 29 min
